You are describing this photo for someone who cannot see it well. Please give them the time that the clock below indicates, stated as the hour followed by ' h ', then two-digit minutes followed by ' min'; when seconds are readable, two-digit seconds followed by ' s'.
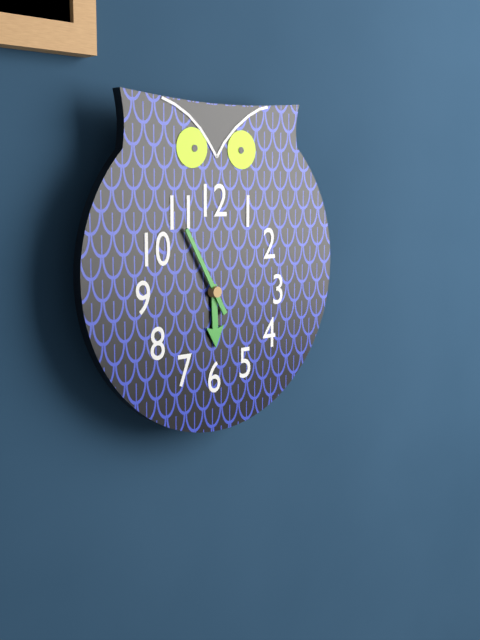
5 h 55 min
